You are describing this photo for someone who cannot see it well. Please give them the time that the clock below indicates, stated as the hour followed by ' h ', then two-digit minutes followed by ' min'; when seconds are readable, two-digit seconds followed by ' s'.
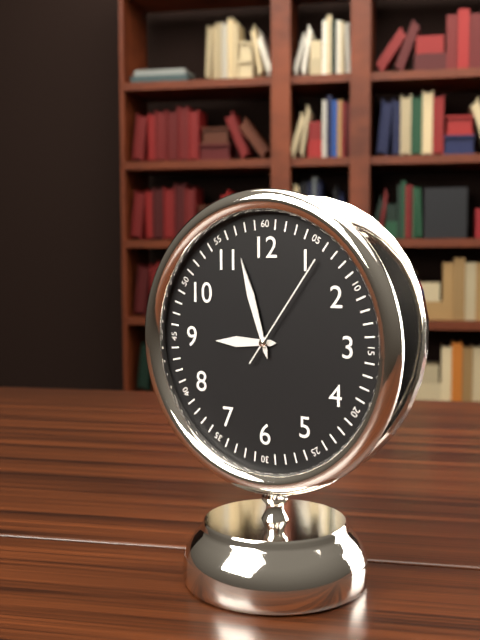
8 h 57 min 06 s
